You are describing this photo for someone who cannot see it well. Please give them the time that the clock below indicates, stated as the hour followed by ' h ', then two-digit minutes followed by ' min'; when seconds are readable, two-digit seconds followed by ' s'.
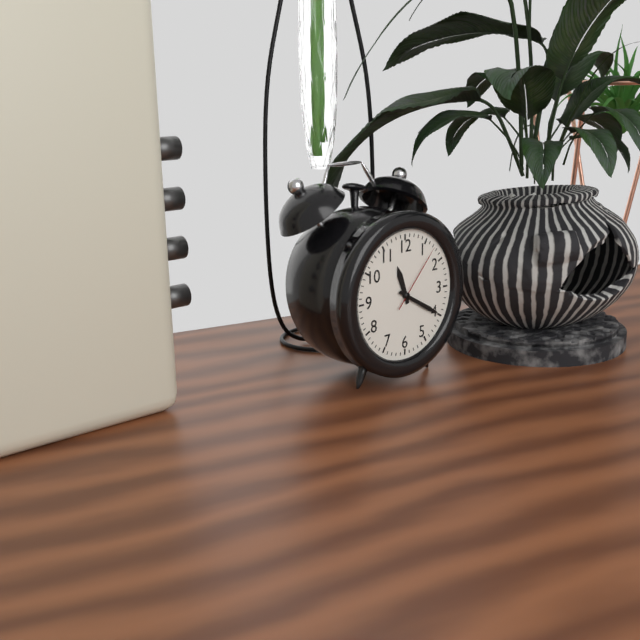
11 h 20 min 07 s
